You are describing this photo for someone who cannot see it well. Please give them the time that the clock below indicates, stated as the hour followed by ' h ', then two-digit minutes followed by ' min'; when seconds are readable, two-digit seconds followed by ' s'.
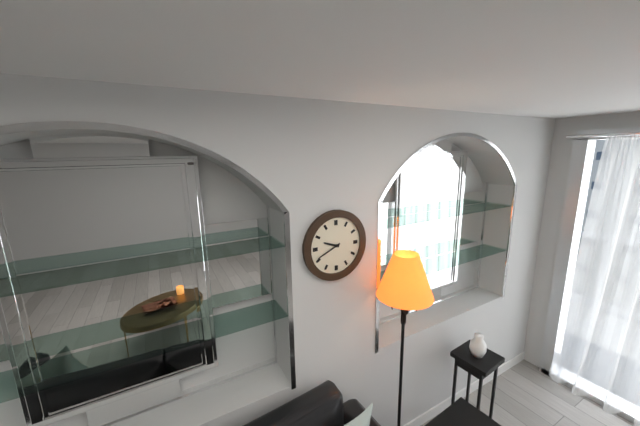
9 h 41 min
